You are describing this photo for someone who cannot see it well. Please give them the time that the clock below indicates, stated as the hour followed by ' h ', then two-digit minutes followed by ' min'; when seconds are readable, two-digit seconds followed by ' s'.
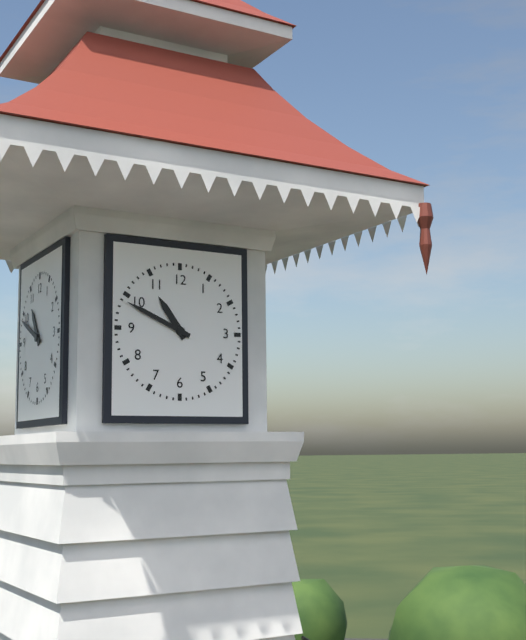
10 h 49 min
